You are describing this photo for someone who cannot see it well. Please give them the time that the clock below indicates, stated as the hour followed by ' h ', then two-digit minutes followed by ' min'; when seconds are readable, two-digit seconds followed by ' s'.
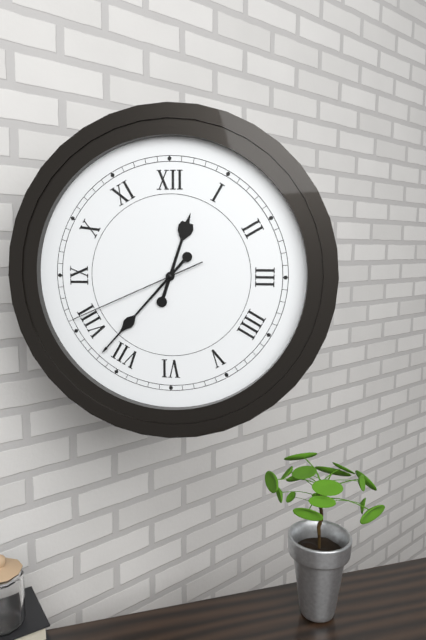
12 h 37 min 41 s
